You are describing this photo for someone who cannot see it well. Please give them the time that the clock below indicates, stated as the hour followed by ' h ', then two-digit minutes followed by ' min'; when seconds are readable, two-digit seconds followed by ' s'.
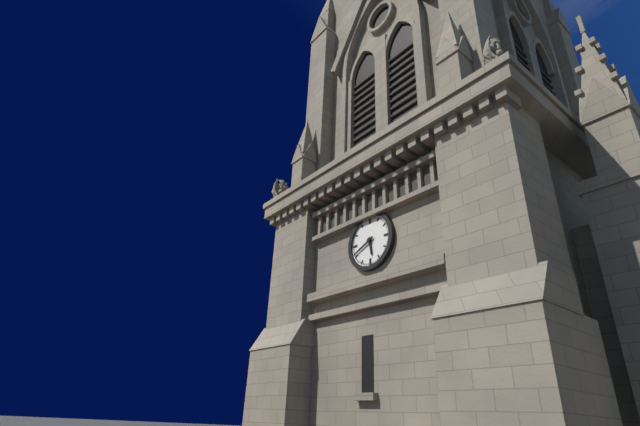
5 h 41 min
